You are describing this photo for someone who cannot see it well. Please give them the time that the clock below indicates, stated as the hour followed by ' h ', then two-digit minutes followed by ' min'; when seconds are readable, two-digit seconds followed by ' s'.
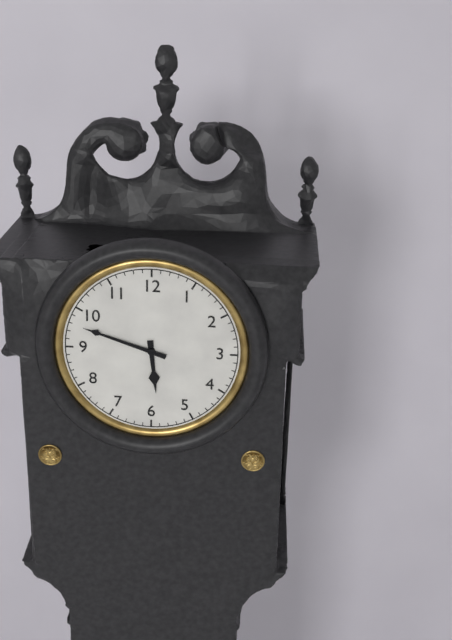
5 h 48 min
